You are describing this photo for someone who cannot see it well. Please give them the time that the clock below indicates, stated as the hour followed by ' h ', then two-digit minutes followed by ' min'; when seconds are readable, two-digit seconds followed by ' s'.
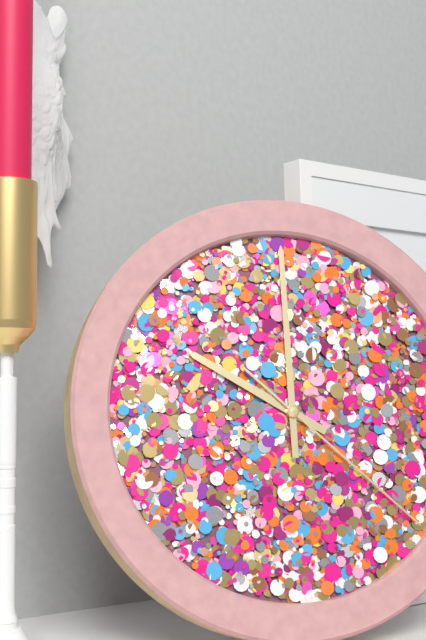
10 h 00 min 22 s
